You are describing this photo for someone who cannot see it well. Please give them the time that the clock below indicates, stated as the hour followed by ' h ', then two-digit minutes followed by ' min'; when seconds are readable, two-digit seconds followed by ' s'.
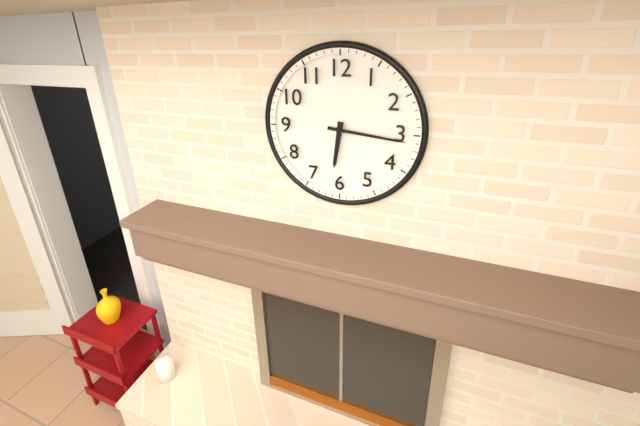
6 h 16 min
